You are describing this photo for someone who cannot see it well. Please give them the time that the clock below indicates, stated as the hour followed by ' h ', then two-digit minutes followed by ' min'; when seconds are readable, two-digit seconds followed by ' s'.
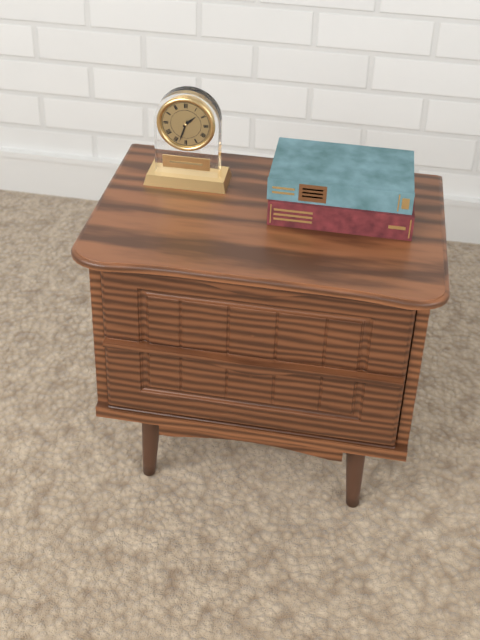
1 h 33 min
